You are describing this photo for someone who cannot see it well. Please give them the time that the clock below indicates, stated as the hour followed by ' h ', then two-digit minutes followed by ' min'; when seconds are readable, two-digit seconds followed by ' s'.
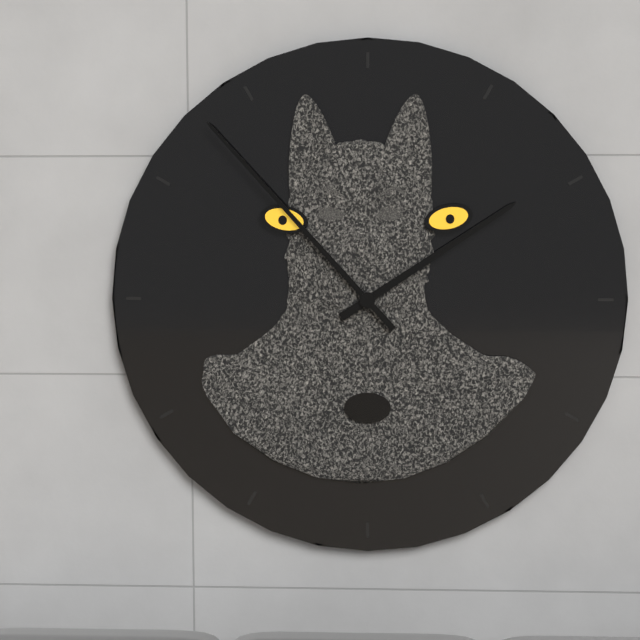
1 h 53 min
